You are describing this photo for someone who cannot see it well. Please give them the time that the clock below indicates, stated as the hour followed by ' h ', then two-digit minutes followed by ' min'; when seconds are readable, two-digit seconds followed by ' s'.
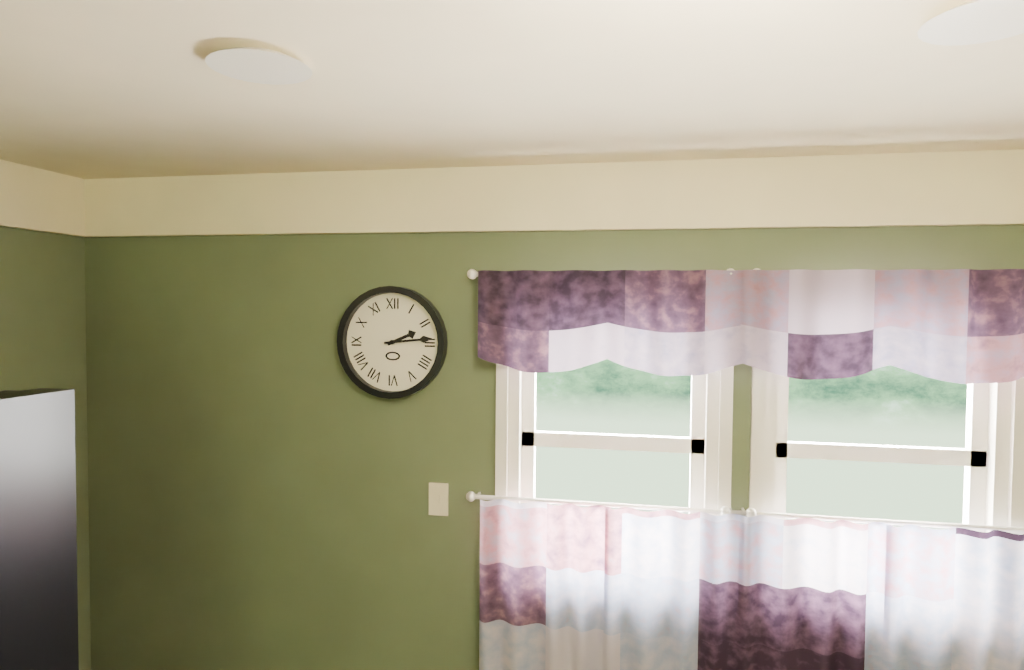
2 h 14 min
